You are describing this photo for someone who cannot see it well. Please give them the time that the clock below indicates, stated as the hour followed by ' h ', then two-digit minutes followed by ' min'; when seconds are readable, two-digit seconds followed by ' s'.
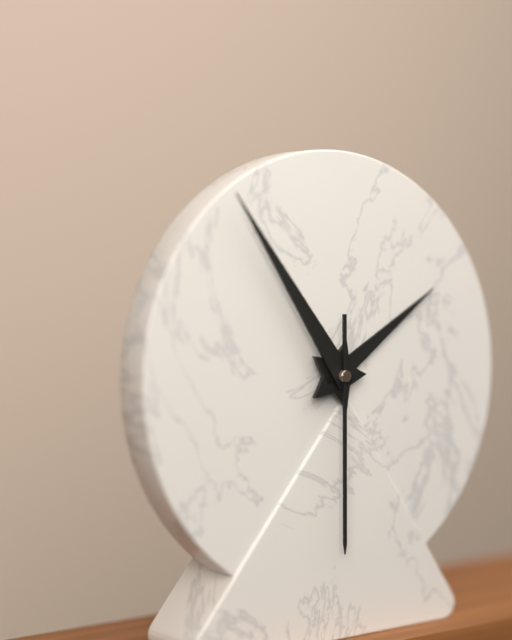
1 h 54 min 30 s
